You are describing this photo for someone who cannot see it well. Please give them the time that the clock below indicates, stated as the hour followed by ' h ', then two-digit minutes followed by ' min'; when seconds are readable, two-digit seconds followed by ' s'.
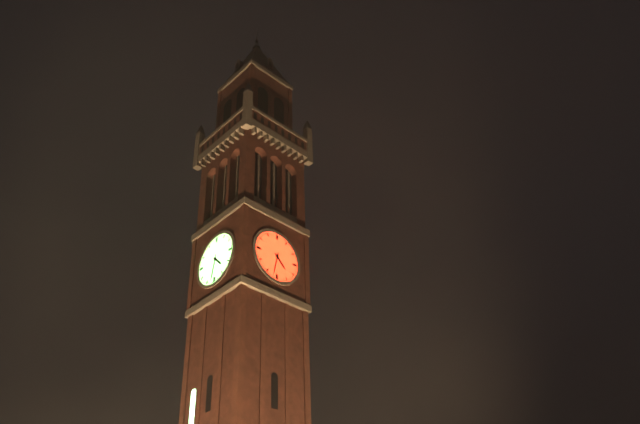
4 h 32 min
